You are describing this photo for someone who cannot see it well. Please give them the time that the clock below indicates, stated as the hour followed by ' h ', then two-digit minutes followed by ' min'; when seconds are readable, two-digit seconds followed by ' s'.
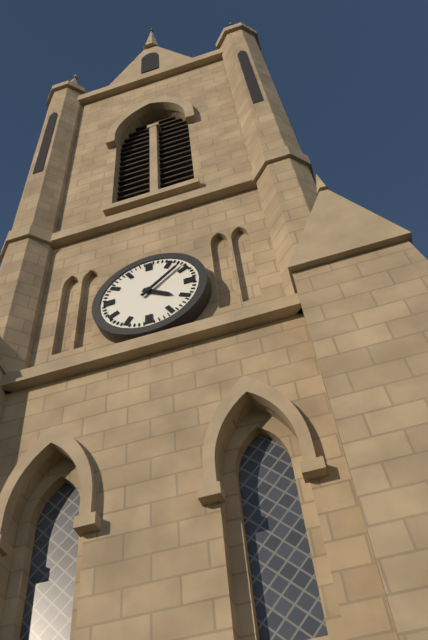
4 h 08 min
